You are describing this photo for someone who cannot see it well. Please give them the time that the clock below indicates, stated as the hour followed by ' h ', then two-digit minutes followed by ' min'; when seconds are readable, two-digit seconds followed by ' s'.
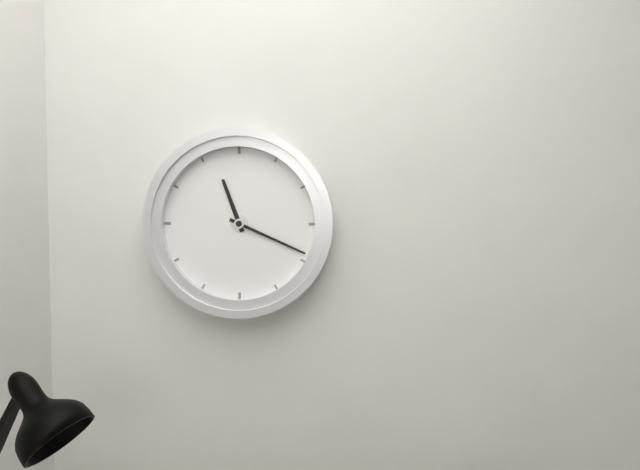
11 h 19 min
